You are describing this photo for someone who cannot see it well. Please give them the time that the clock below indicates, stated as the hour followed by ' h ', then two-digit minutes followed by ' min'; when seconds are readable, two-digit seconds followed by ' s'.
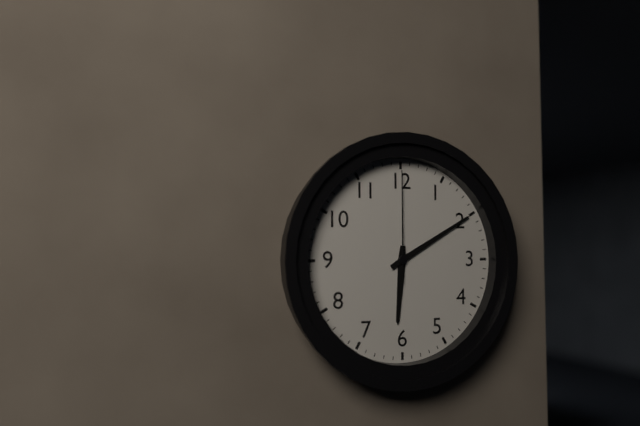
6 h 10 min 00 s
